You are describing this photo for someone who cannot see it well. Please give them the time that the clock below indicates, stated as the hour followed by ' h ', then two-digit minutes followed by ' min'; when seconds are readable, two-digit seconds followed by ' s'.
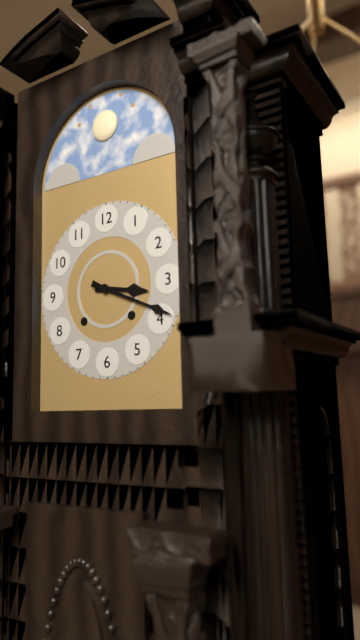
3 h 19 min
